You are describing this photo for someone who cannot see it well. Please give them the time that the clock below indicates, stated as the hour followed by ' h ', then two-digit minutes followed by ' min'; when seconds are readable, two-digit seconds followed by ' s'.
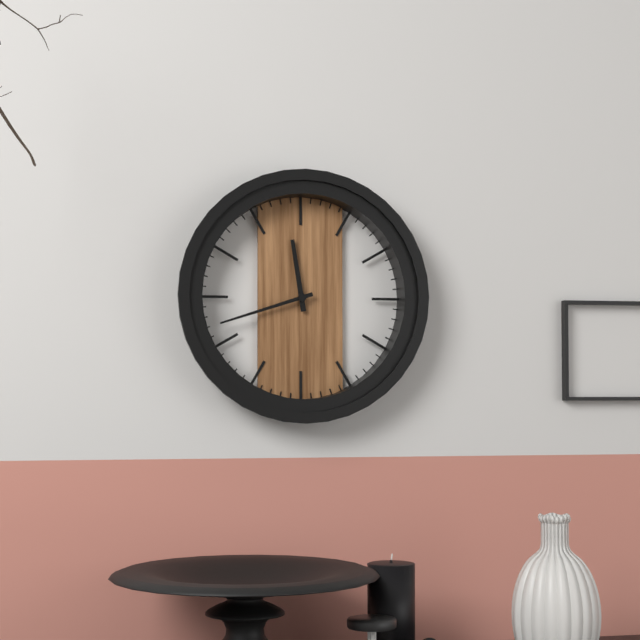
11 h 42 min
